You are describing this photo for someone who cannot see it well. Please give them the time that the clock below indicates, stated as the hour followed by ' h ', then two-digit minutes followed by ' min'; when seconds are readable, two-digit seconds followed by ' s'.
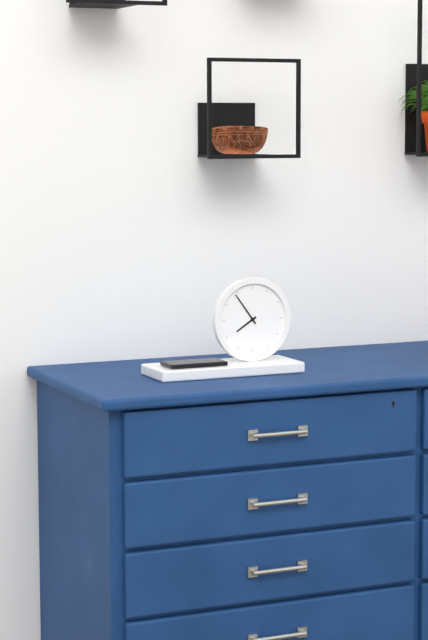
7 h 54 min
